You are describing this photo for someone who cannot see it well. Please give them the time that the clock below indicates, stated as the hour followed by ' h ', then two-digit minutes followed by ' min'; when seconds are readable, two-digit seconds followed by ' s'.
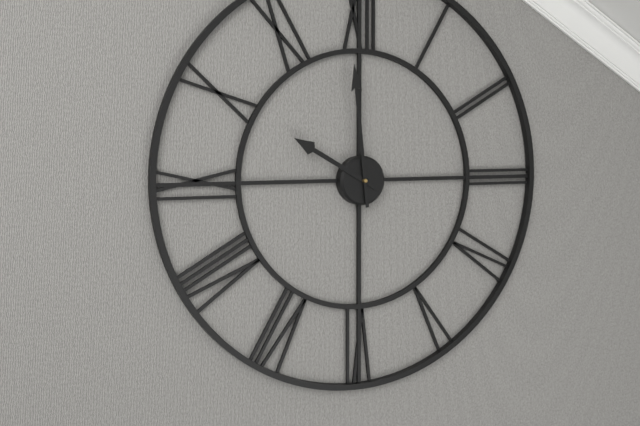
9 h 59 min
